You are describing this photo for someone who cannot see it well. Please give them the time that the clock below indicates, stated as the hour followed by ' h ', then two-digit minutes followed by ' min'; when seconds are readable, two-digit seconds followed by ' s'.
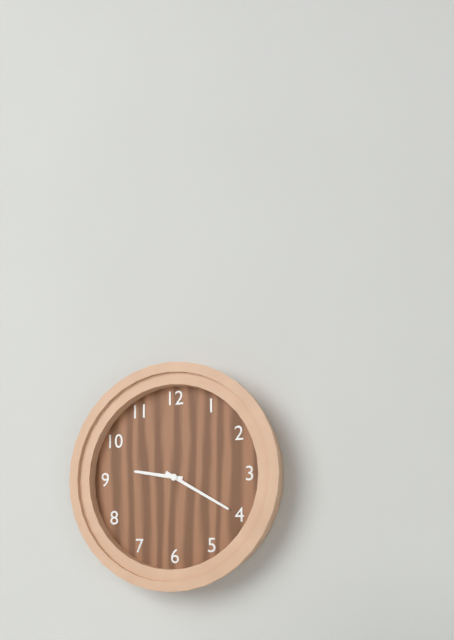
9 h 20 min
